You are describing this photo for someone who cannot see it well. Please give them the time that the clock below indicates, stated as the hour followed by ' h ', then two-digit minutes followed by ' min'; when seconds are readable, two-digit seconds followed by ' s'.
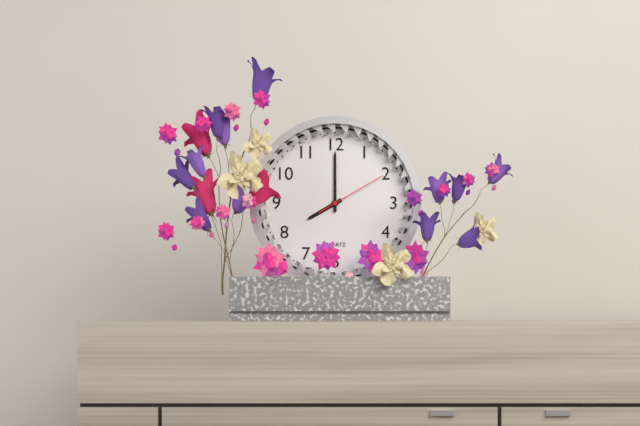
8 h 00 min 10 s
